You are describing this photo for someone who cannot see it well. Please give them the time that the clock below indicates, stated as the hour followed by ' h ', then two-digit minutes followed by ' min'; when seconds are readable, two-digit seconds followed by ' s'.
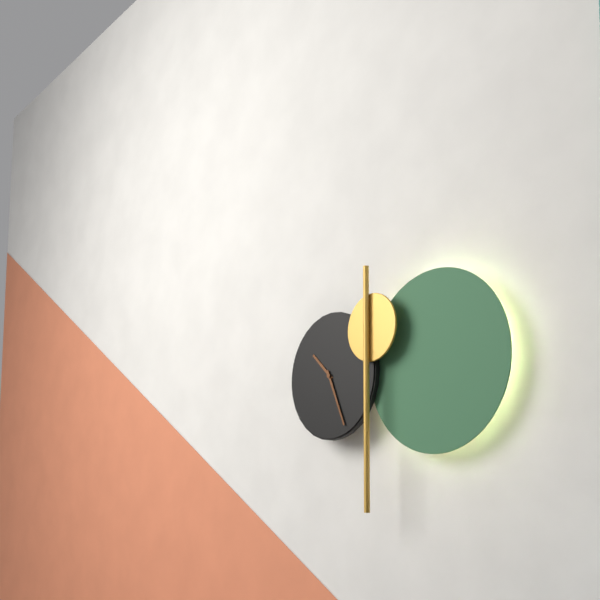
10 h 26 min
